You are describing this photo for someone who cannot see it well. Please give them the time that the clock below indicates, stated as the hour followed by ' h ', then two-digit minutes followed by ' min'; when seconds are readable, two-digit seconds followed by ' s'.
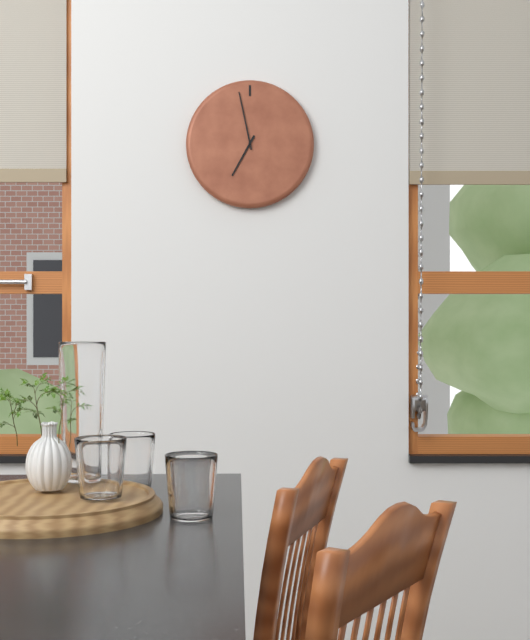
6 h 58 min
